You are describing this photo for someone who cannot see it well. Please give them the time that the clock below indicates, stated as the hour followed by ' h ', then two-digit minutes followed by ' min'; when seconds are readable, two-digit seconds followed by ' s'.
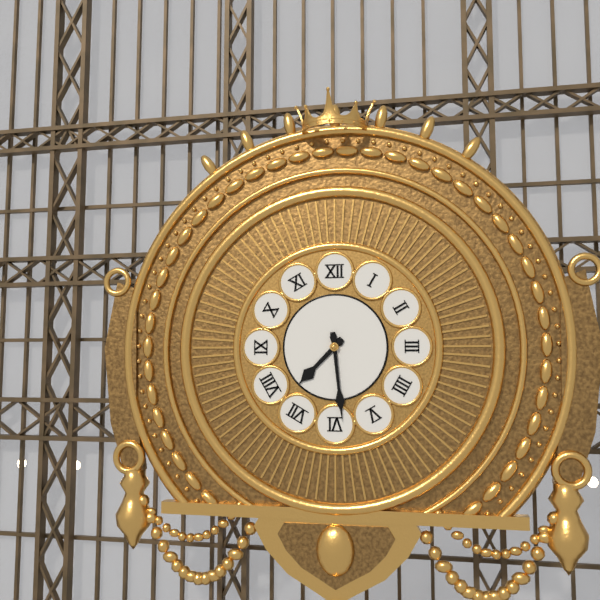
7 h 29 min
